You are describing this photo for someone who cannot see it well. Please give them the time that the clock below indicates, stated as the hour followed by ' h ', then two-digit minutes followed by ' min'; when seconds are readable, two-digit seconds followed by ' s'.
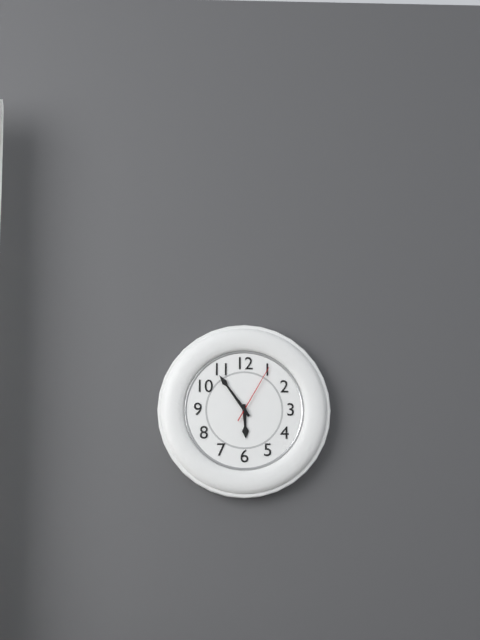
5 h 54 min 05 s
